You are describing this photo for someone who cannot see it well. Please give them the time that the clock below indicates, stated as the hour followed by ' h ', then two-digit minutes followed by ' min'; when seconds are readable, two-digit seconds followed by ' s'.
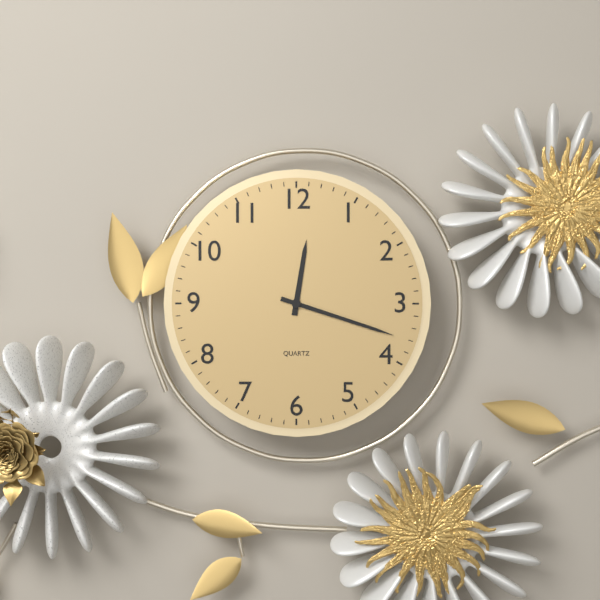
12 h 18 min
